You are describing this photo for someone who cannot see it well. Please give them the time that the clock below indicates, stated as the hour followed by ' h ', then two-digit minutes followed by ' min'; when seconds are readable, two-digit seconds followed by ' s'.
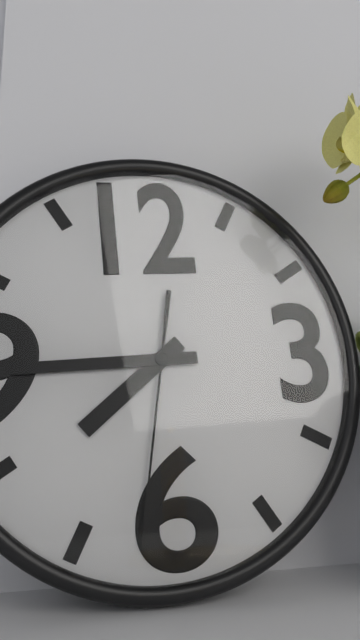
7 h 45 min 32 s
